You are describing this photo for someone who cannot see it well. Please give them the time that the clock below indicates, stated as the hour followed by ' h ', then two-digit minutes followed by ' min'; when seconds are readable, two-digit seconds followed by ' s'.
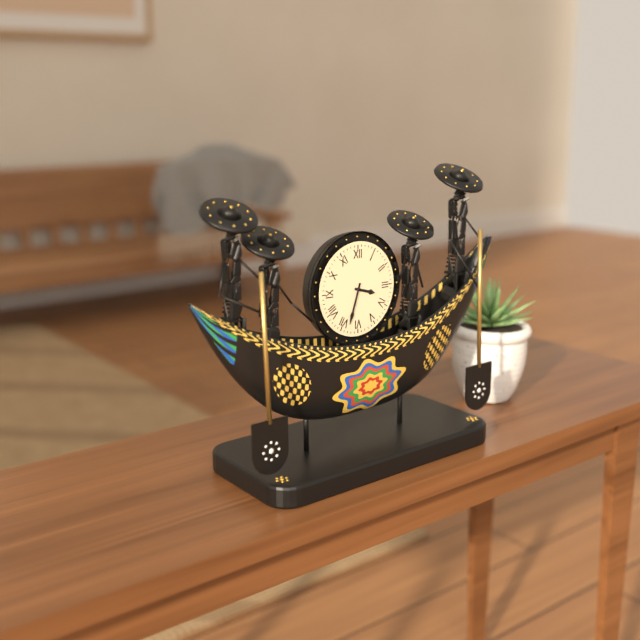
3 h 33 min
